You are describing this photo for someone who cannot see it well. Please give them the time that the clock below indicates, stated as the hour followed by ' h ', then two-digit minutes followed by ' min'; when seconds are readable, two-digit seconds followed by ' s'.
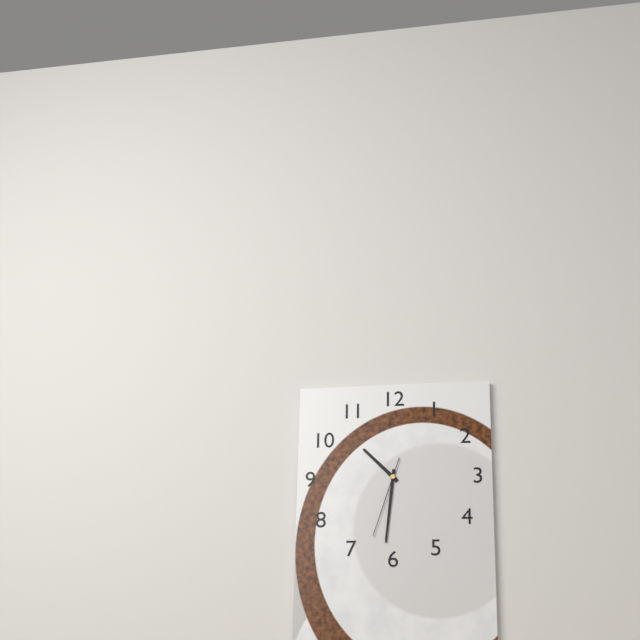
10 h 31 min 33 s
